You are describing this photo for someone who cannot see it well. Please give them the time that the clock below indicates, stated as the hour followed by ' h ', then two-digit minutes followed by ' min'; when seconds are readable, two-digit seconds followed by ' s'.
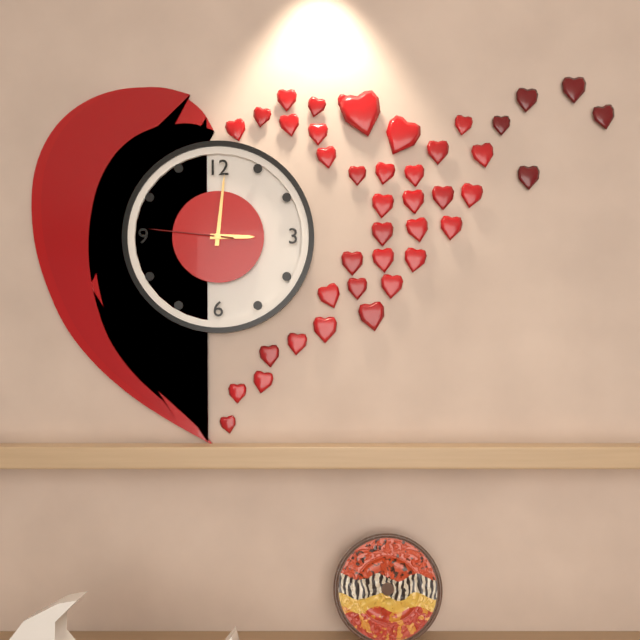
3 h 01 min 46 s
